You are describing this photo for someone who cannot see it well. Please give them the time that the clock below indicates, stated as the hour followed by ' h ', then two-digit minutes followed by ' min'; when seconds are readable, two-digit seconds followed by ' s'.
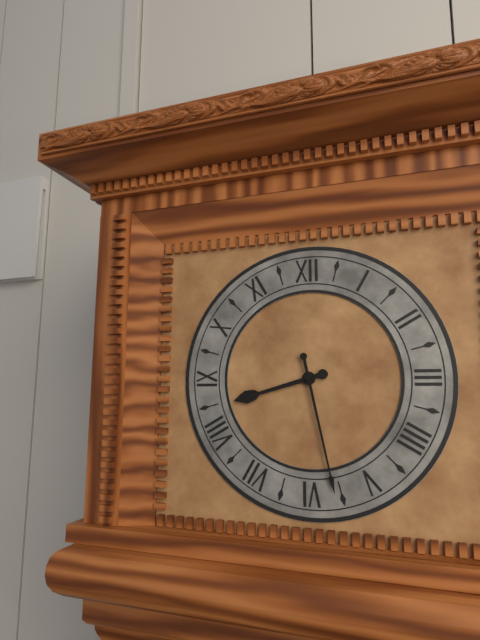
8 h 28 min
